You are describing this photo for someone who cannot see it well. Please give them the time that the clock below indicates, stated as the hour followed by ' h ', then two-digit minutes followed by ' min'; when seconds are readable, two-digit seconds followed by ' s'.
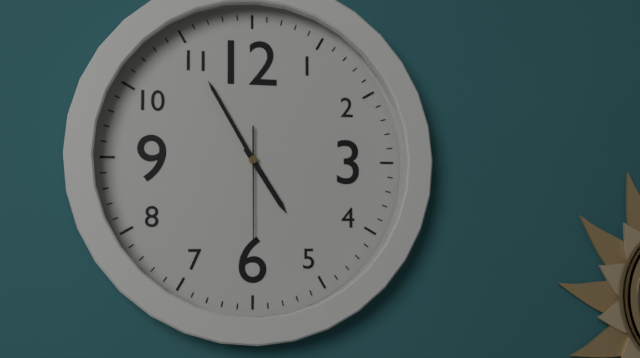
4 h 55 min 30 s
